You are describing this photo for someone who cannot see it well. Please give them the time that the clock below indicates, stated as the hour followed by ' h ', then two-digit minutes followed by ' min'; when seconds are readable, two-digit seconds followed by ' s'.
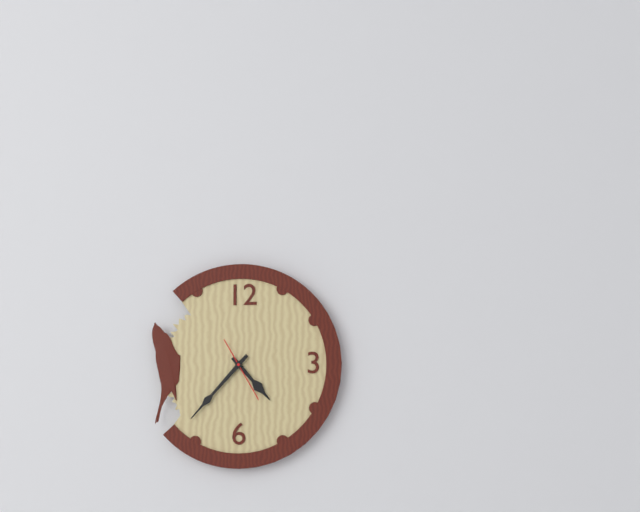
4 h 37 min 25 s
